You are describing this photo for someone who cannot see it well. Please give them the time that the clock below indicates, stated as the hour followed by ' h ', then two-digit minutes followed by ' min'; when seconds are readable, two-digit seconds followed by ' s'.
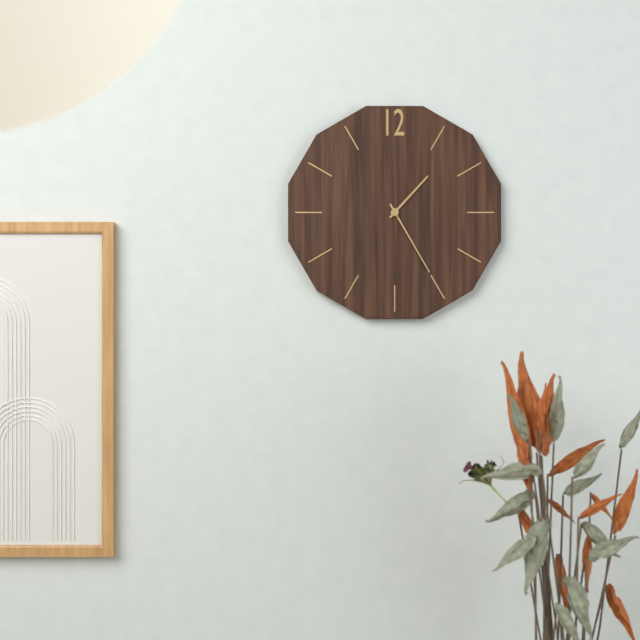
1 h 25 min
